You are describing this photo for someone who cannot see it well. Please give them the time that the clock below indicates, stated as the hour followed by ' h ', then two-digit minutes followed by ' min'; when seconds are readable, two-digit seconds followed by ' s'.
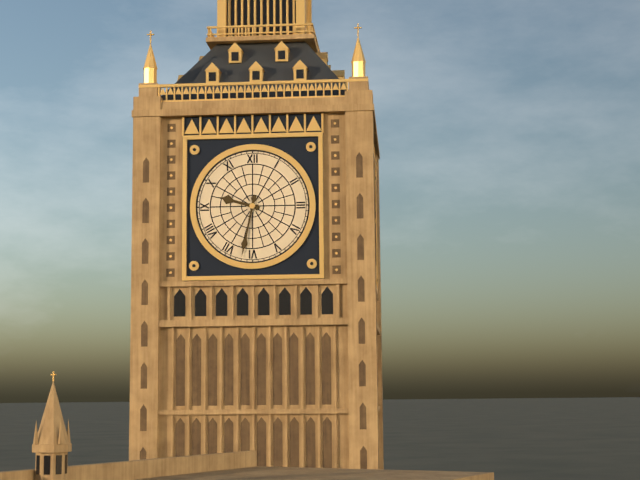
9 h 32 min
